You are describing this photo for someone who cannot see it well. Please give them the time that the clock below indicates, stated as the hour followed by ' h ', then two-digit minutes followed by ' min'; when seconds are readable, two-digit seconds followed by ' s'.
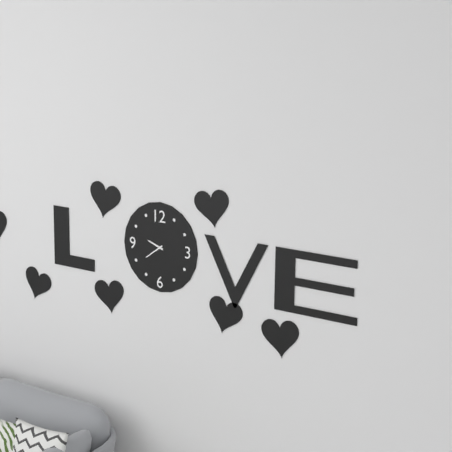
9 h 39 min
